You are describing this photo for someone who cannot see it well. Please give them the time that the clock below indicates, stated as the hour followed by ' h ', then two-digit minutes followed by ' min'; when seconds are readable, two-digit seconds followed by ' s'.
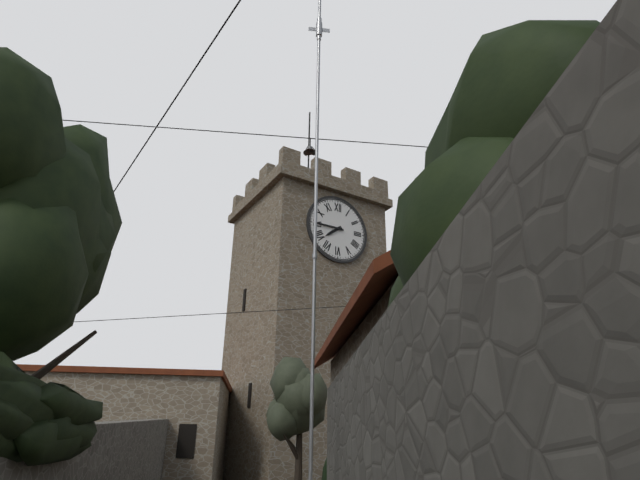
7 h 45 min
